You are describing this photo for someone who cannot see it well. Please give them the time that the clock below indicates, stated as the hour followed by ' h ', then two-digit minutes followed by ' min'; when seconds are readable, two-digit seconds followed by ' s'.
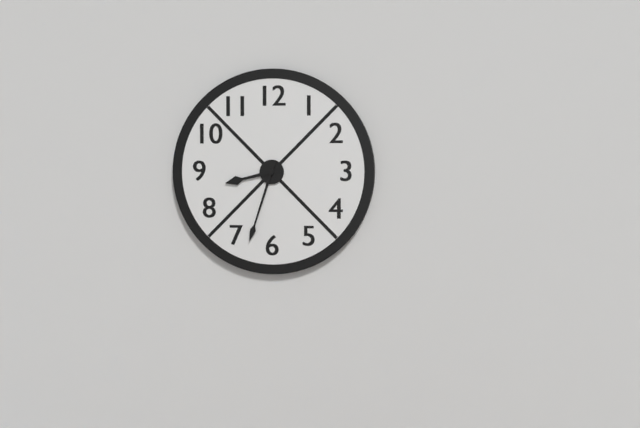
8 h 33 min
